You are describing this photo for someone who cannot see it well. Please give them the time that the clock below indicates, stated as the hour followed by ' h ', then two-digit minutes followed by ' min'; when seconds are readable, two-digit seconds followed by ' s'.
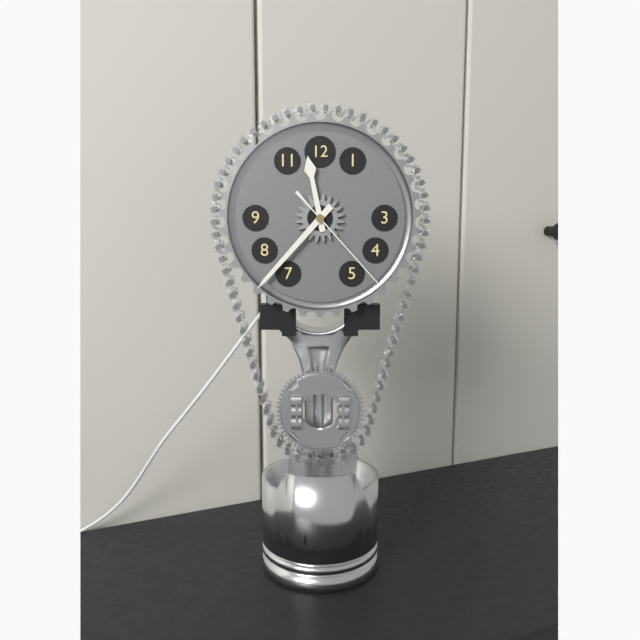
11 h 37 min 23 s
